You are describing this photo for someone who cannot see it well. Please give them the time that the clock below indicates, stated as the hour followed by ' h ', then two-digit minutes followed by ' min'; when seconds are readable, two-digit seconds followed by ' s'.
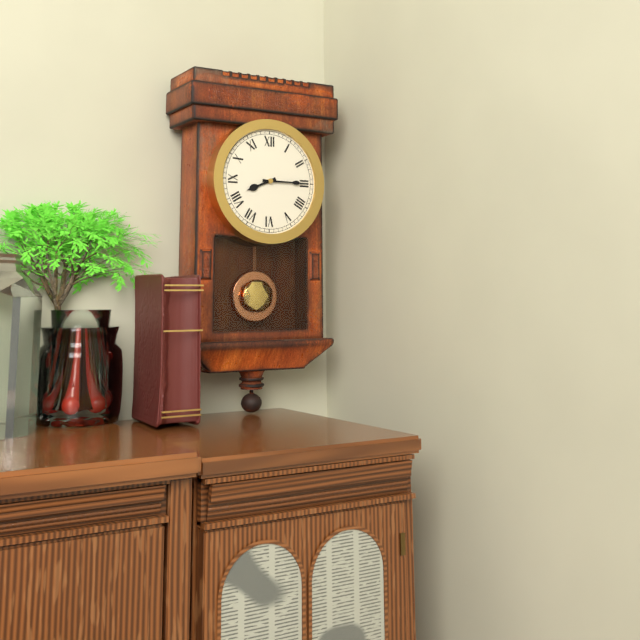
8 h 15 min
